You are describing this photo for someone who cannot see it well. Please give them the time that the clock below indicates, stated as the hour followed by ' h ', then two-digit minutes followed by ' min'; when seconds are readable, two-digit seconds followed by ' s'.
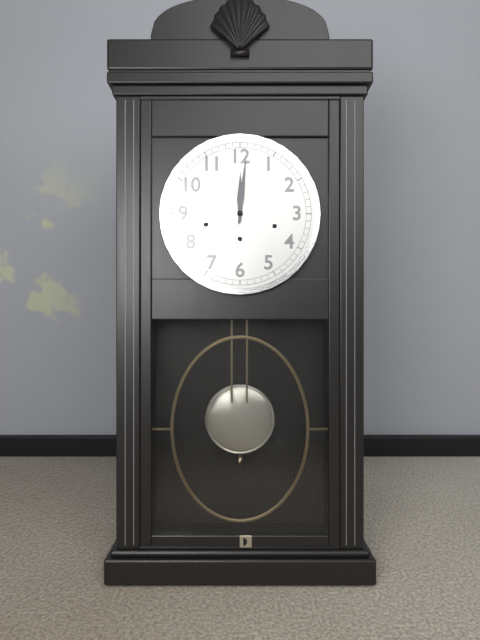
12 h 01 min
